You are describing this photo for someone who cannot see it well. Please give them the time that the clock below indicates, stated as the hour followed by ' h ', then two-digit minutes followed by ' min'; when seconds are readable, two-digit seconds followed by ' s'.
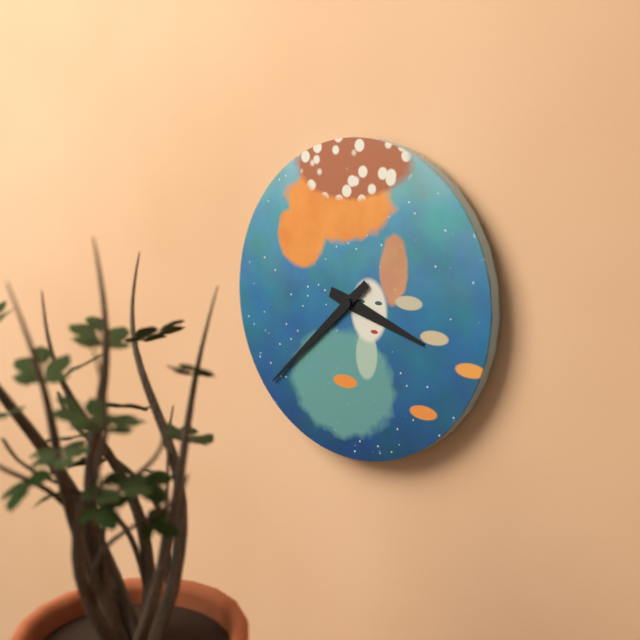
3 h 38 min
